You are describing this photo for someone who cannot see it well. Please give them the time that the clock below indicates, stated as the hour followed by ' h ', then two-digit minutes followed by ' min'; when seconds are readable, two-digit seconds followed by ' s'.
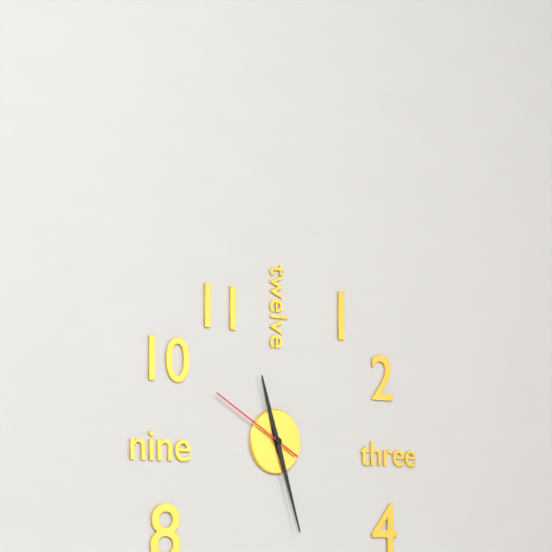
11 h 27 min 50 s
